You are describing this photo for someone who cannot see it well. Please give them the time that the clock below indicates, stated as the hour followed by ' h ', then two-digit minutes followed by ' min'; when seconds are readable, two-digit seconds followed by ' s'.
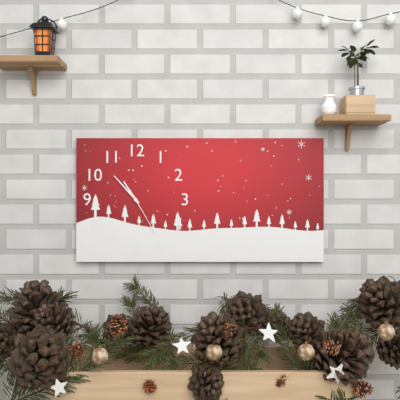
10 h 53 min
